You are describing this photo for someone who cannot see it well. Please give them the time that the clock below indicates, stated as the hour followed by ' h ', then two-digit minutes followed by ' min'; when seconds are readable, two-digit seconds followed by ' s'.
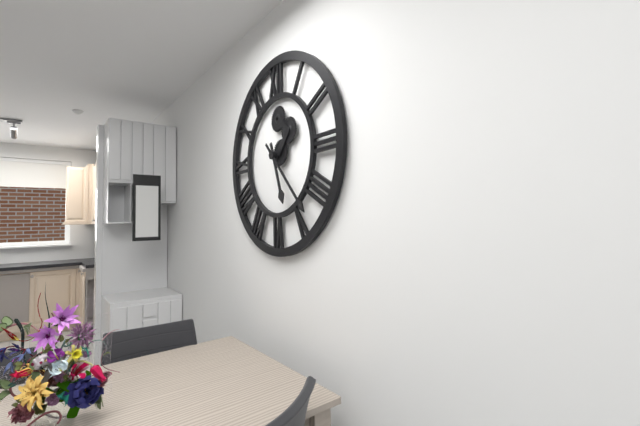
5 h 23 min
